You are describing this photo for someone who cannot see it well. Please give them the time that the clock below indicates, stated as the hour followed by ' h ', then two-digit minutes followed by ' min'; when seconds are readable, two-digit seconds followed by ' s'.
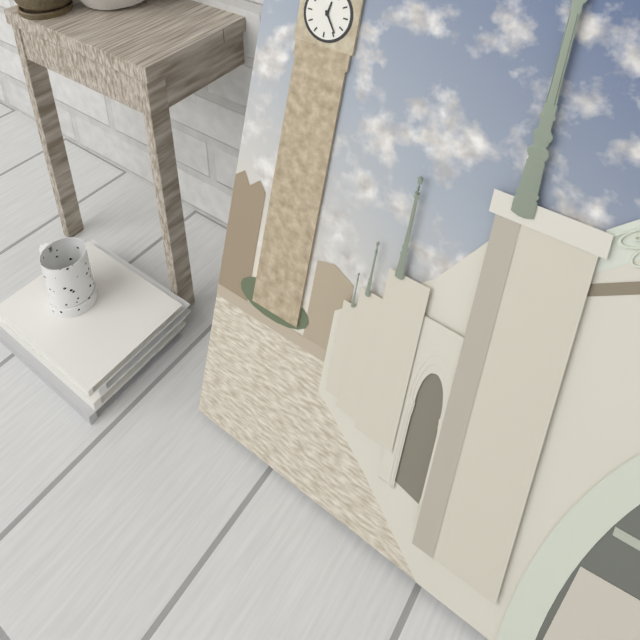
12 h 24 min
